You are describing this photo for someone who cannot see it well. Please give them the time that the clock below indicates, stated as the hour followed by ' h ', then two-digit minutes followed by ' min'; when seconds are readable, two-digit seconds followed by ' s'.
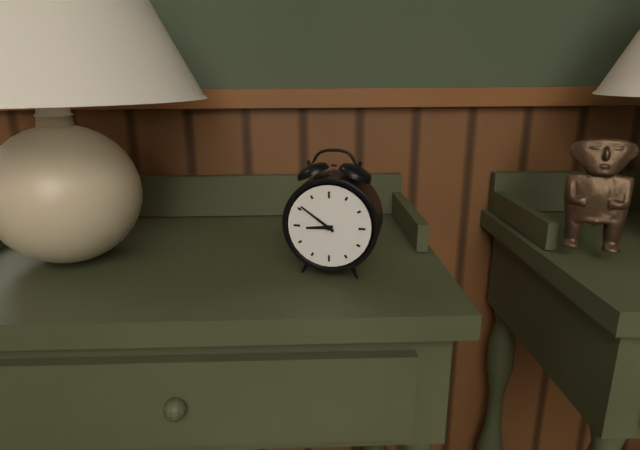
8 h 51 min
